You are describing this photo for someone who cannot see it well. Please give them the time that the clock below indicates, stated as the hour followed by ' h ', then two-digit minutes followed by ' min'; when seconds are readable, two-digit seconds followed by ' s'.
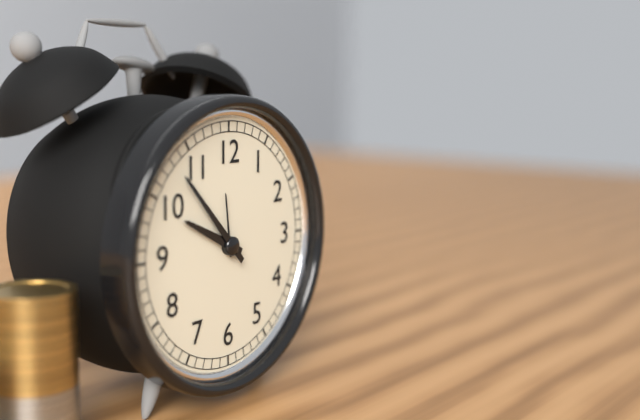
9 h 53 min
